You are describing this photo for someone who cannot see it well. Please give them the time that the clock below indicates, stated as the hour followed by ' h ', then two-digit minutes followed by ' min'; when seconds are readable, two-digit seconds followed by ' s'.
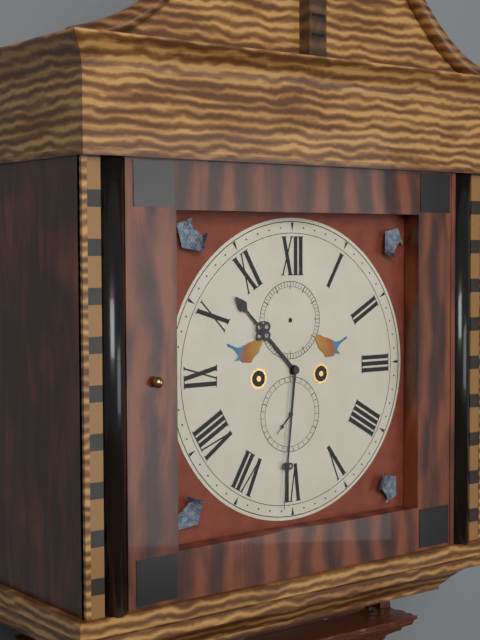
10 h 31 min
